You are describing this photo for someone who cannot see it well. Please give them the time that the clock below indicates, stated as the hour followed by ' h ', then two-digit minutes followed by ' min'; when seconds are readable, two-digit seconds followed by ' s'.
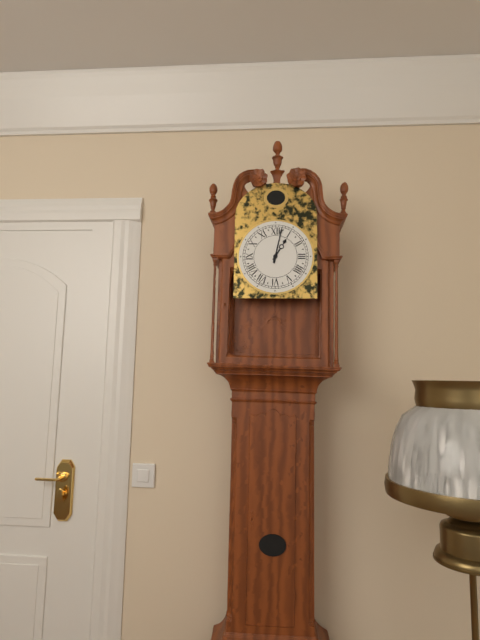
1 h 02 min
